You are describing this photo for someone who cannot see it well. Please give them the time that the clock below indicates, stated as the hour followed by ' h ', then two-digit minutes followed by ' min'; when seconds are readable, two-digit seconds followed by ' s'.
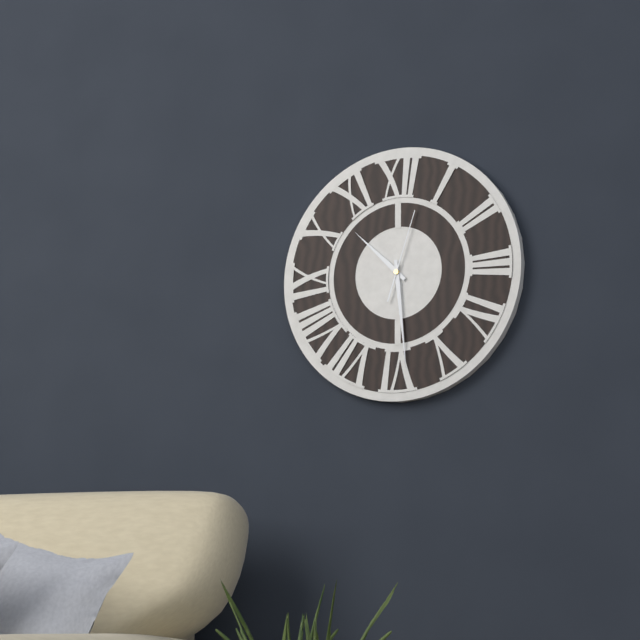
10 h 29 min 03 s
